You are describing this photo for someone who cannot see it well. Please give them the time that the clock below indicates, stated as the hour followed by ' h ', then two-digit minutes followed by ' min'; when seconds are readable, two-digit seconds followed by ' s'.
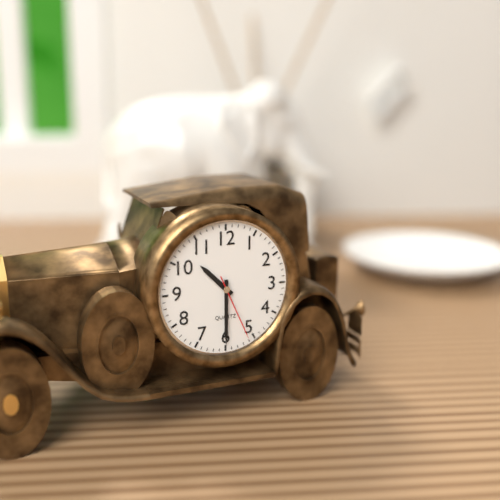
10 h 30 min 26 s
